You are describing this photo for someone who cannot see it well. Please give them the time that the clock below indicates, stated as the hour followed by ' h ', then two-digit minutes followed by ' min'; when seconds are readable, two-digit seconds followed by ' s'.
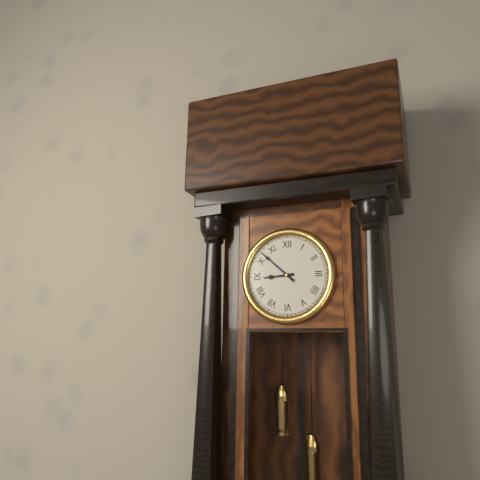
8 h 52 min
